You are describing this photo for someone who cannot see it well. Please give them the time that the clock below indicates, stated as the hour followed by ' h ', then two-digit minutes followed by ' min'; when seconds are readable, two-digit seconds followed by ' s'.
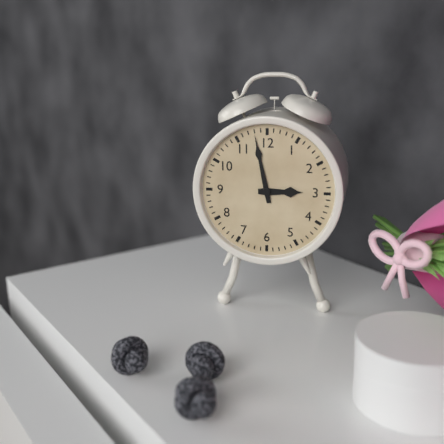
2 h 58 min
